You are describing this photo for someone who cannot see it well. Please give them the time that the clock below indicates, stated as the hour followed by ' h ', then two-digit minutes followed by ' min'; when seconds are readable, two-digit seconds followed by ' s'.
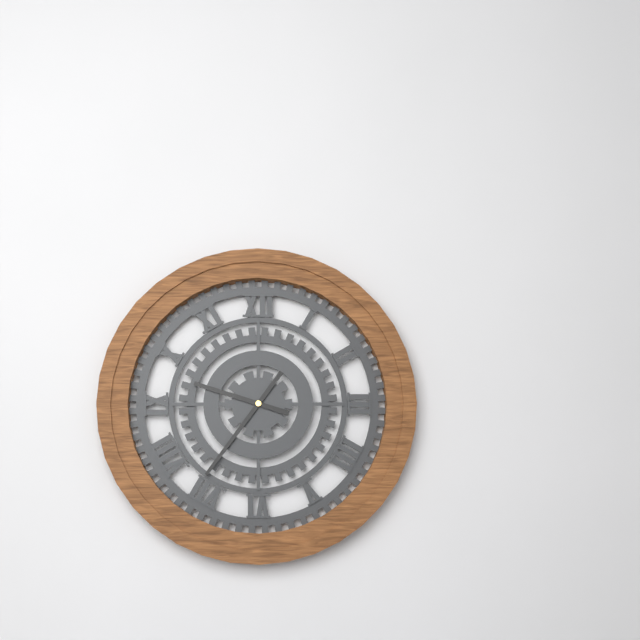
9 h 36 min
